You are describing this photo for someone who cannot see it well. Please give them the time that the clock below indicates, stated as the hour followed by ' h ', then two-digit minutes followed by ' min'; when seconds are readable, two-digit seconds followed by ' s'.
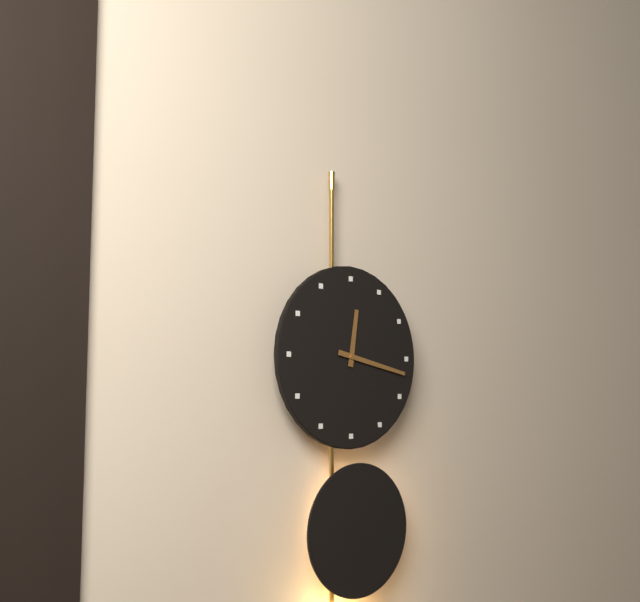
12 h 17 min
